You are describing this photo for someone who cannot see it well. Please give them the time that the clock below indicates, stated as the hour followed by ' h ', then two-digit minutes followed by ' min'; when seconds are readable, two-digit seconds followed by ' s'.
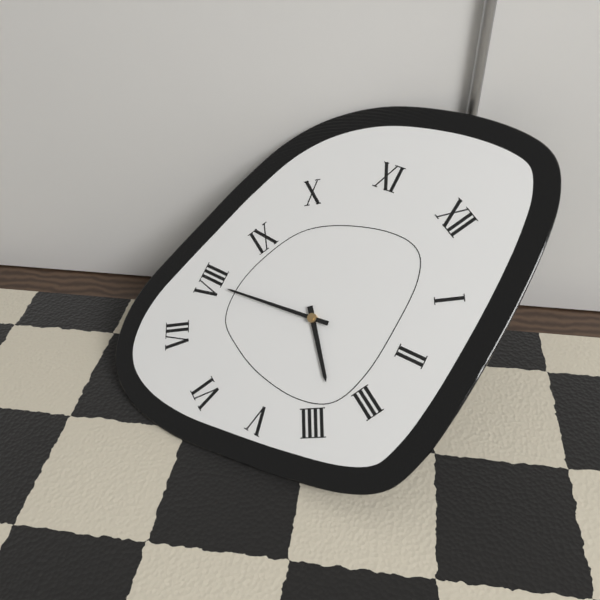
3 h 39 min
